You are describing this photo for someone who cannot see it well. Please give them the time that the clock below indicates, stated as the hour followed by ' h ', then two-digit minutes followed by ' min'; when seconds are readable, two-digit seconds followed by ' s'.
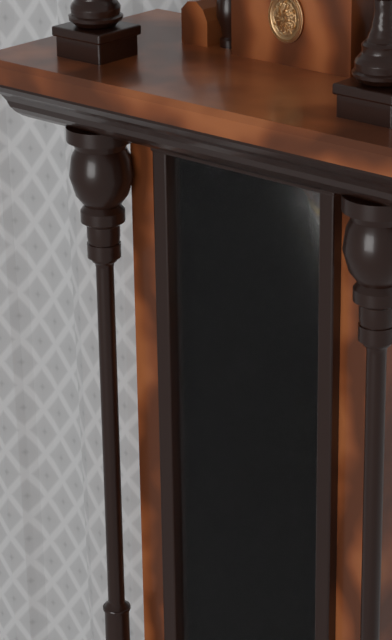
8 h 28 min
